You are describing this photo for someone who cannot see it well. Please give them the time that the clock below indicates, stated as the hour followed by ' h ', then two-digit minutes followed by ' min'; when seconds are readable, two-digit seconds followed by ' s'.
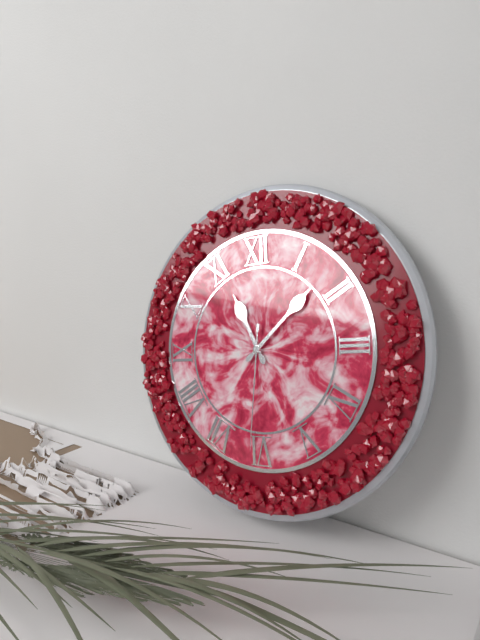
11 h 08 min 31 s
